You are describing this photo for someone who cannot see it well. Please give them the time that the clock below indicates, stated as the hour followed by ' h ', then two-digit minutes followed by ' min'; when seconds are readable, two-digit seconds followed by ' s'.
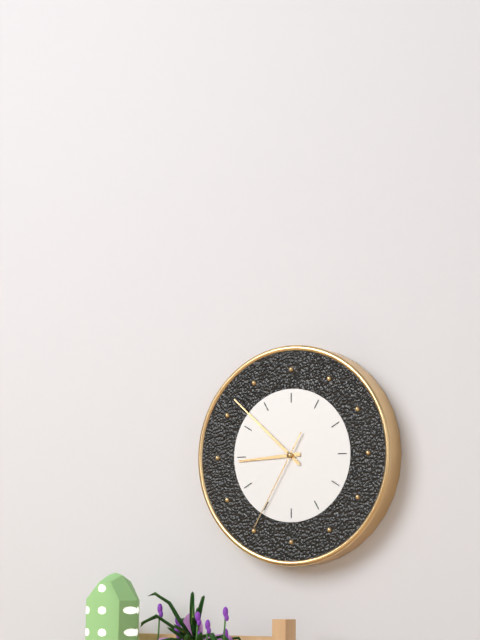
8 h 52 min 35 s
